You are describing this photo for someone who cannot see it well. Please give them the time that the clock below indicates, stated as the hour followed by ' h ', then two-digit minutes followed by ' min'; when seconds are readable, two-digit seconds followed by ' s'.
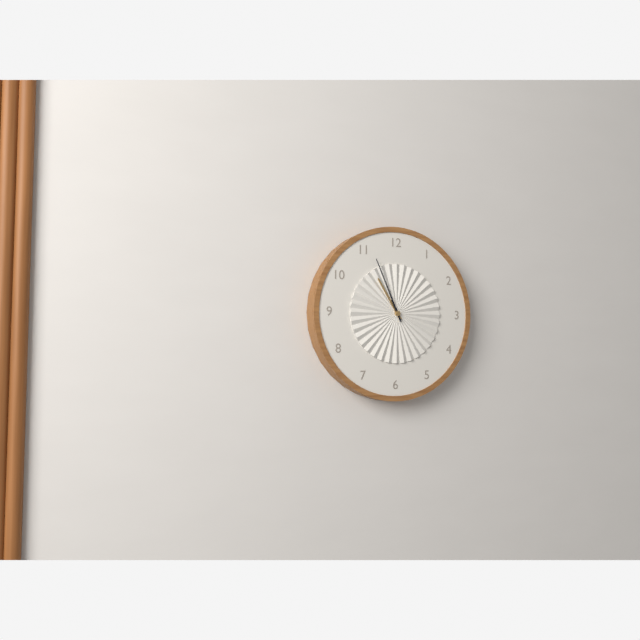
10 h 56 min
